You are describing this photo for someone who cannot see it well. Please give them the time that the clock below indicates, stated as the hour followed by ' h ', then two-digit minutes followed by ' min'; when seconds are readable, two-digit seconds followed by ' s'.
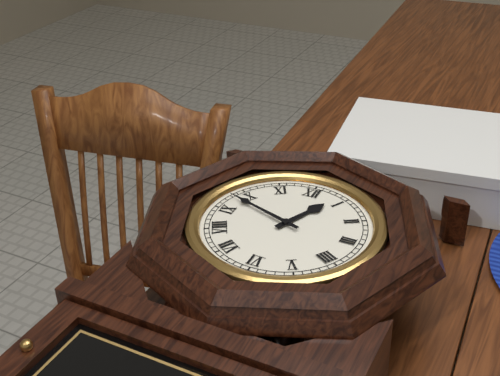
12 h 48 min
